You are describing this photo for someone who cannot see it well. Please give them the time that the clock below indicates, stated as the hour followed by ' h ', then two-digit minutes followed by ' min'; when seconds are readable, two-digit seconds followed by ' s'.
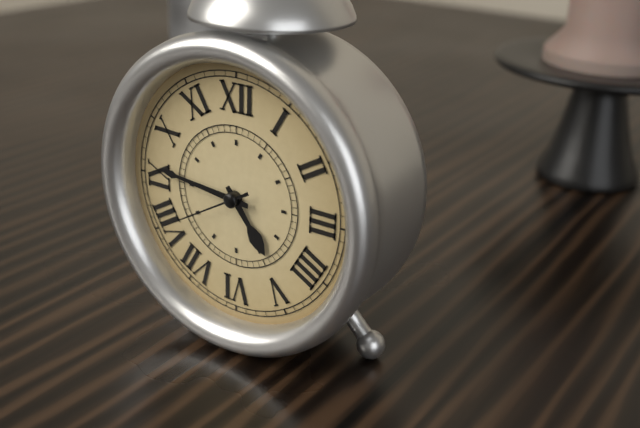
4 h 46 min 40 s
